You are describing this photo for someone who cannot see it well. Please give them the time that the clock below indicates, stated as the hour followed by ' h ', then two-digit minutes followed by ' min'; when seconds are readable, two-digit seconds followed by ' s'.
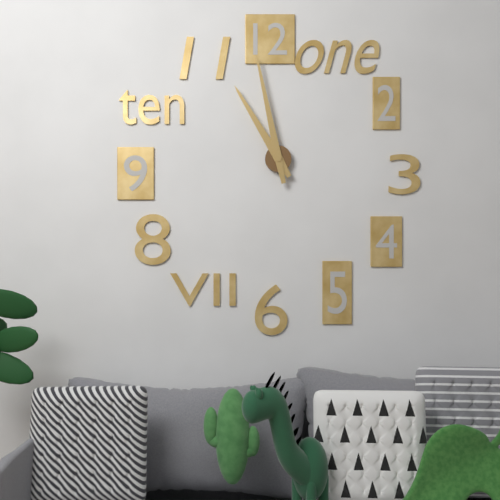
10 h 58 min
